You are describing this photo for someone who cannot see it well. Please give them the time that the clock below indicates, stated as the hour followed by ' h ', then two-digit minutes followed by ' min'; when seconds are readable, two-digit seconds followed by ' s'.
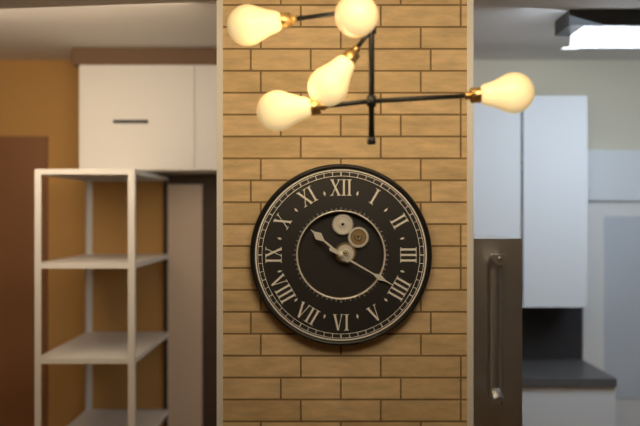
10 h 20 min
